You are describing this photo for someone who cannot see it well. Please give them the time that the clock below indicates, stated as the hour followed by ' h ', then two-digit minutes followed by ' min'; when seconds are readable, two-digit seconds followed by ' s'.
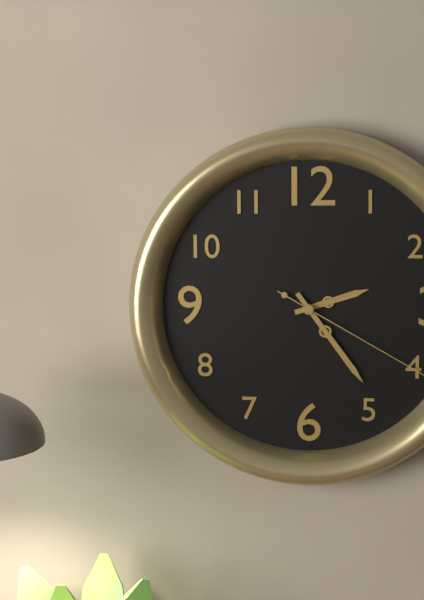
2 h 24 min
